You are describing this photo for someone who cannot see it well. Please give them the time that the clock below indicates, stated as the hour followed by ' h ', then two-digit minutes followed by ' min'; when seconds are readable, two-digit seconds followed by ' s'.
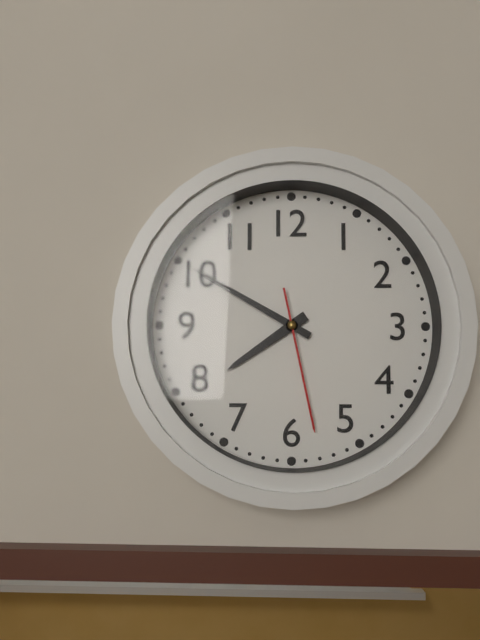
7 h 50 min 28 s
